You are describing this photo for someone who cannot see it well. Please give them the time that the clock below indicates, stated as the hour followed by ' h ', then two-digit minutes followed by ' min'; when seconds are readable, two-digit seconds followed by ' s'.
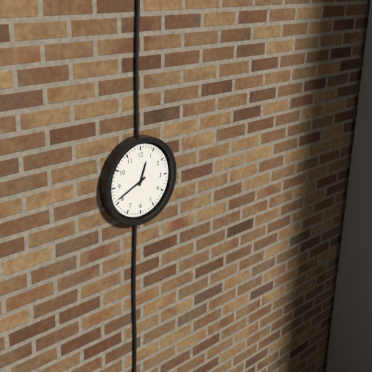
12 h 41 min
